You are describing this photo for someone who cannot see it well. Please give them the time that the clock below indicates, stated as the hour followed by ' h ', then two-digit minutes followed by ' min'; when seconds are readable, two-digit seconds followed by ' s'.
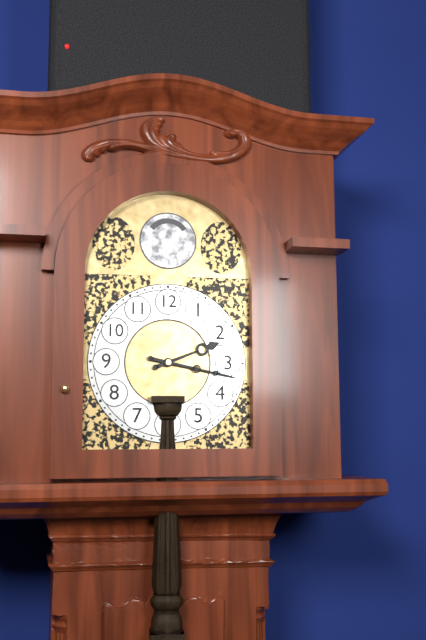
2 h 17 min
